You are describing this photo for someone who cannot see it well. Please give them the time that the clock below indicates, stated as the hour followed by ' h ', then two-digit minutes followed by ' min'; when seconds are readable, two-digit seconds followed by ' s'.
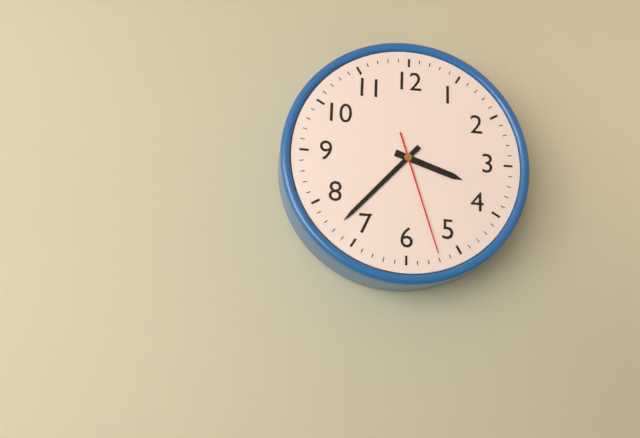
3 h 37 min 27 s
